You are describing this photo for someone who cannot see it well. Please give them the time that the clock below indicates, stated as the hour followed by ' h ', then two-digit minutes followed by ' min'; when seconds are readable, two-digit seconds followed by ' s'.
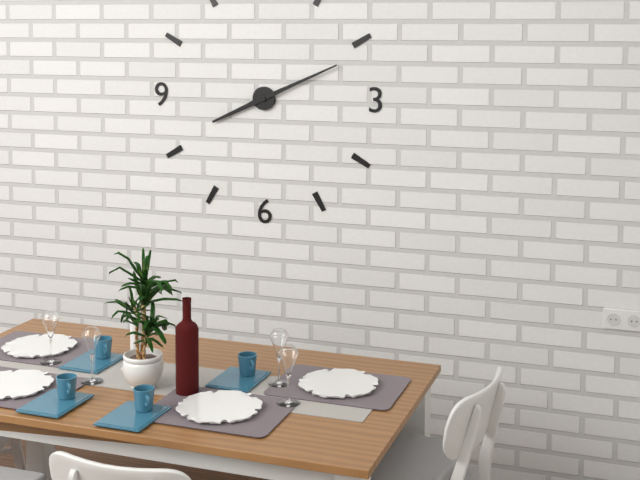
8 h 11 min
